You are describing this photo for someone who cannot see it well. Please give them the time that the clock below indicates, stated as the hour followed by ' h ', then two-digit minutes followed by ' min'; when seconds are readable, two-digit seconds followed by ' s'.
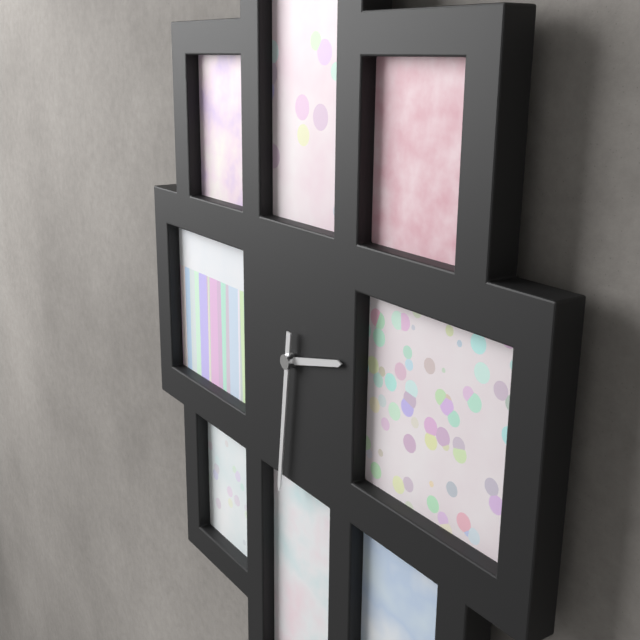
2 h 31 min
